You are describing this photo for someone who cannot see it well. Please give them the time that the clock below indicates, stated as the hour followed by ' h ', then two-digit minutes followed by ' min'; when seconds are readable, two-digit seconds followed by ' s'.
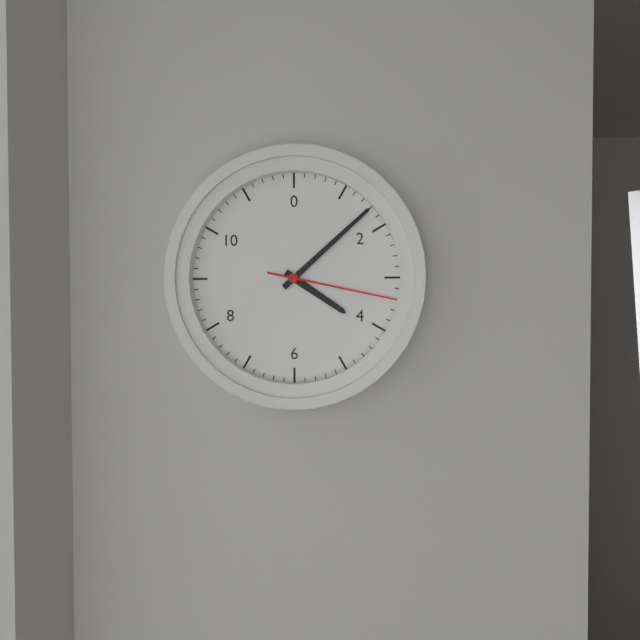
4 h 08 min 17 s
